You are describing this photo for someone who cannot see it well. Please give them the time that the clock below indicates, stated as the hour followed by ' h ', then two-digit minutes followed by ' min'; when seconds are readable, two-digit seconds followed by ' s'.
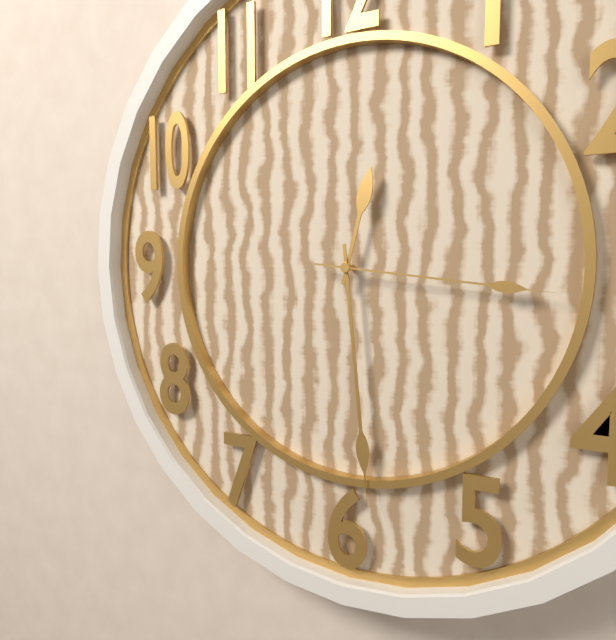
12 h 29 min 16 s
